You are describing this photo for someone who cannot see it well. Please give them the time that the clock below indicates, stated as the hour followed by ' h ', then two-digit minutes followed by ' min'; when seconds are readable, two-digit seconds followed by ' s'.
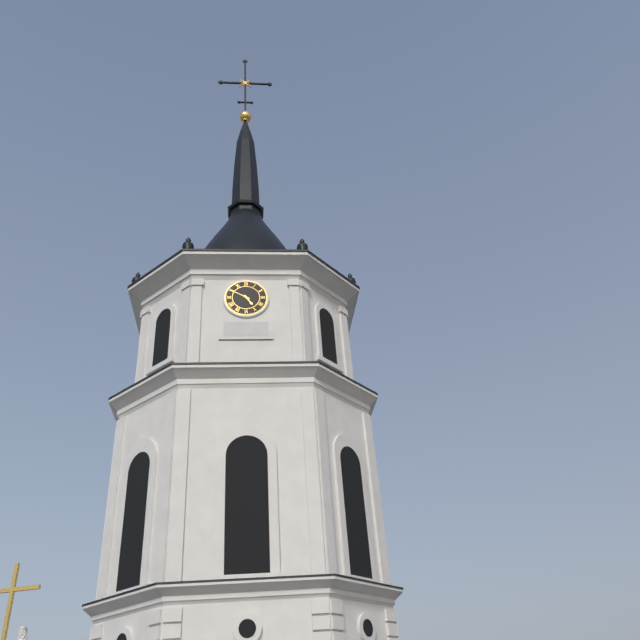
4 h 50 min
